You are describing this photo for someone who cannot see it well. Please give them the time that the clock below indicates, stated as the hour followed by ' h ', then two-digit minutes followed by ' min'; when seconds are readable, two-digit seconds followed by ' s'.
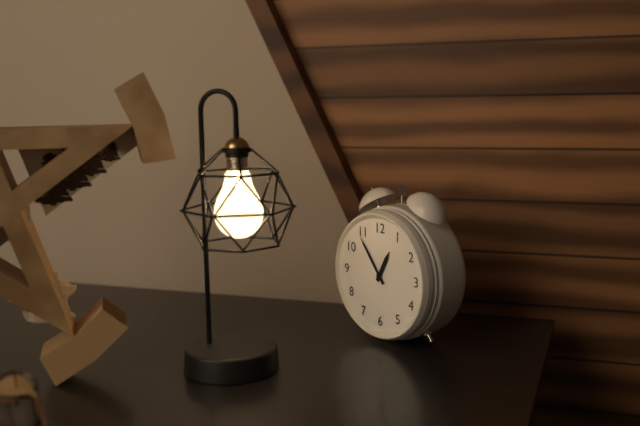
12 h 54 min
